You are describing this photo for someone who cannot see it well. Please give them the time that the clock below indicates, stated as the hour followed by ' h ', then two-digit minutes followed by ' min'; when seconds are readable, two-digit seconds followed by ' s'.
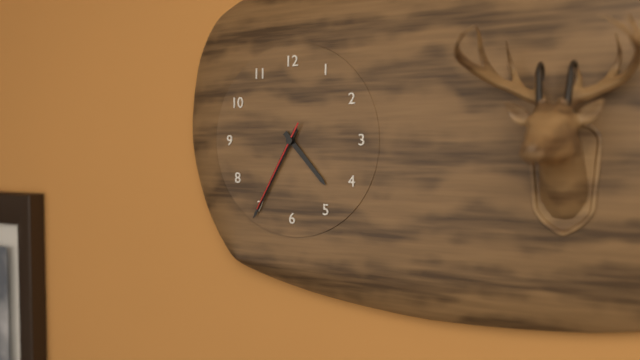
4 h 35 min 35 s
